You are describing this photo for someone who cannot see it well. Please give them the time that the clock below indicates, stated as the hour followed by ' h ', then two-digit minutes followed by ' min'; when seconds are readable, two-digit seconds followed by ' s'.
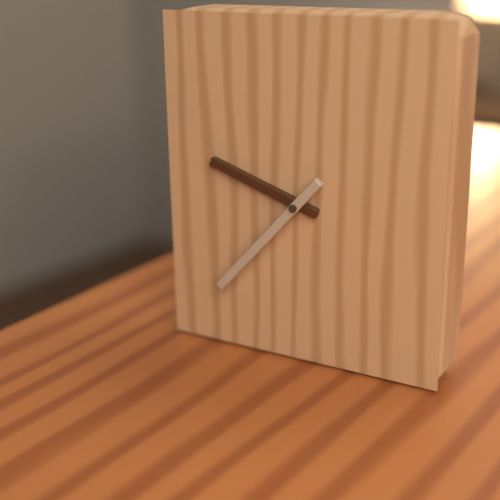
9 h 37 min
